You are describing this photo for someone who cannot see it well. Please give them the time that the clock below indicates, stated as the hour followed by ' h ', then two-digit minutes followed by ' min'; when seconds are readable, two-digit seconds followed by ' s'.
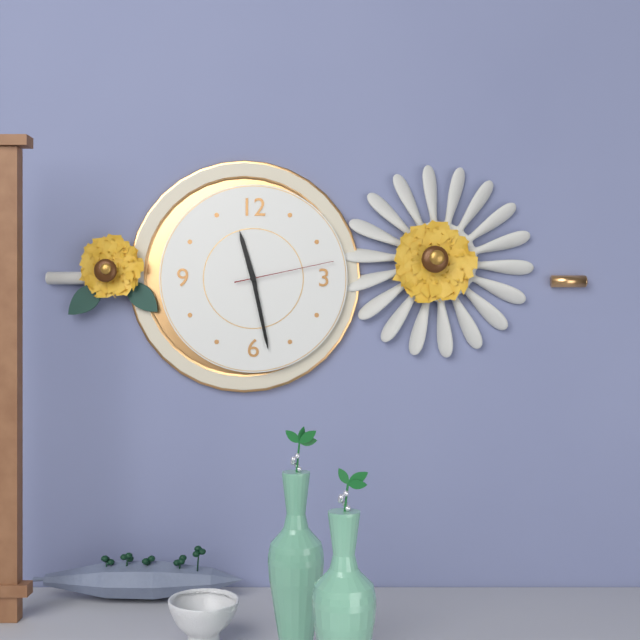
11 h 28 min 13 s
